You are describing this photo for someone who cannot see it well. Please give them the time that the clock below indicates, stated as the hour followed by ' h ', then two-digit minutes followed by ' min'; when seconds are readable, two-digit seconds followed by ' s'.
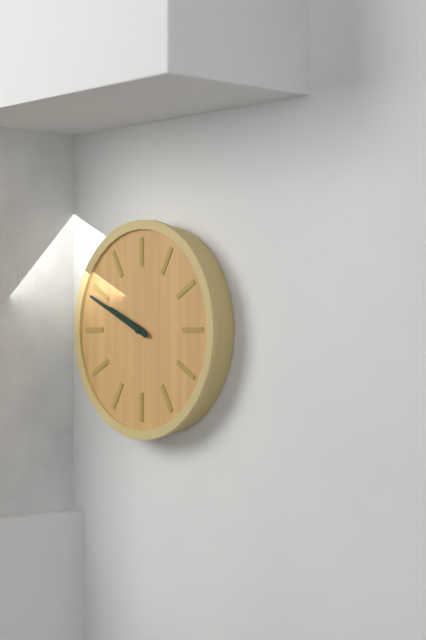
9 h 49 min
